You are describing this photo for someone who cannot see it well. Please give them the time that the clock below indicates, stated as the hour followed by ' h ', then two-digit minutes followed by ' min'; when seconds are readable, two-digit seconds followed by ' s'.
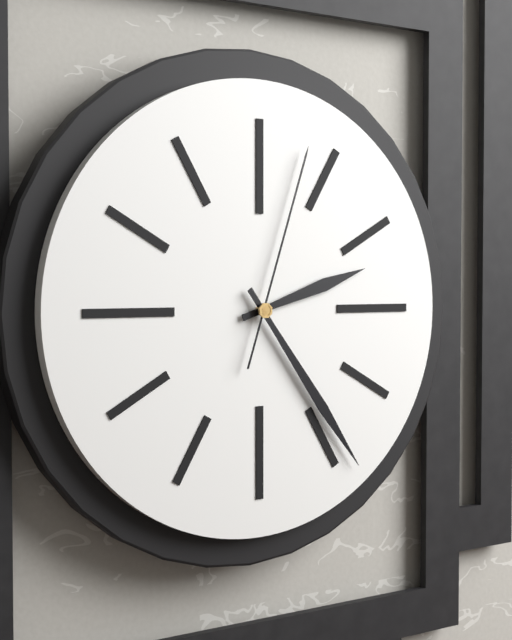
2 h 24 min 03 s
